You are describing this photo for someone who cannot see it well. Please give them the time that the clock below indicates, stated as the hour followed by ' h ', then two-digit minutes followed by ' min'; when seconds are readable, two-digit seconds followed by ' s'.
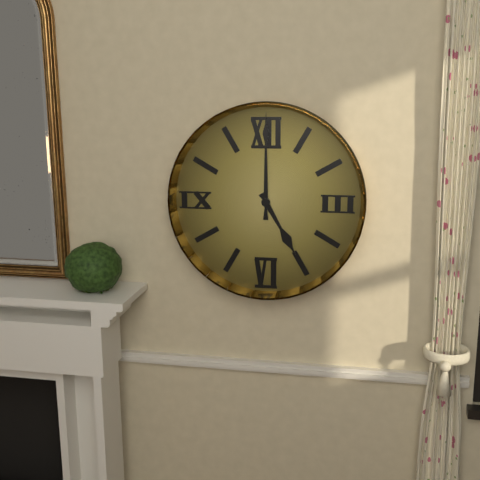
5 h 00 min
